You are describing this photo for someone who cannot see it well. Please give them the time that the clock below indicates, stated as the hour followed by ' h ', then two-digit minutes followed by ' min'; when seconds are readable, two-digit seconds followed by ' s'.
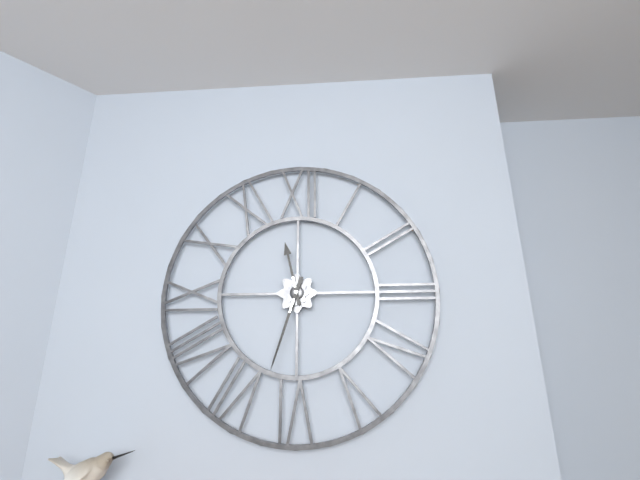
11 h 33 min
